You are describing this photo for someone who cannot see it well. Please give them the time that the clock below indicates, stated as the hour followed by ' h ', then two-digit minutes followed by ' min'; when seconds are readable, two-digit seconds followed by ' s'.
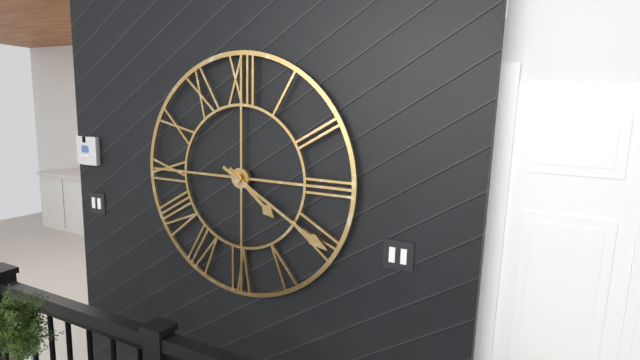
4 h 20 min
